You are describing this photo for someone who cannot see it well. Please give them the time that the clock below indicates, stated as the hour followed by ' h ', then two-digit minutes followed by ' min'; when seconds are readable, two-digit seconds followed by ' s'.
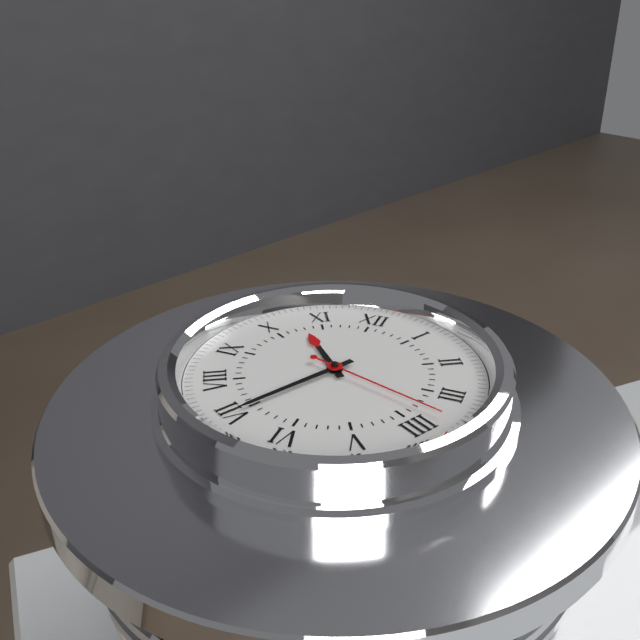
10 h 35 min 18 s
